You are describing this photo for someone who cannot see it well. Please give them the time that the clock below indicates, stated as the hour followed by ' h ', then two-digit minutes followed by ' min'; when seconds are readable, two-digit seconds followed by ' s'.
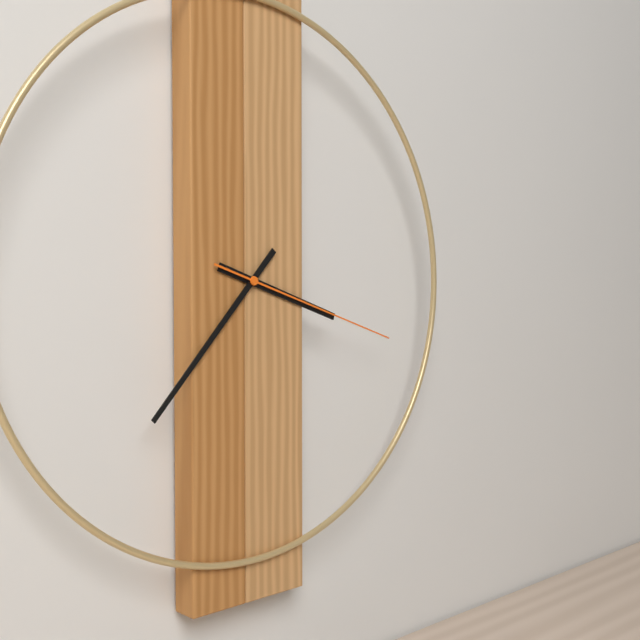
3 h 37 min 18 s
